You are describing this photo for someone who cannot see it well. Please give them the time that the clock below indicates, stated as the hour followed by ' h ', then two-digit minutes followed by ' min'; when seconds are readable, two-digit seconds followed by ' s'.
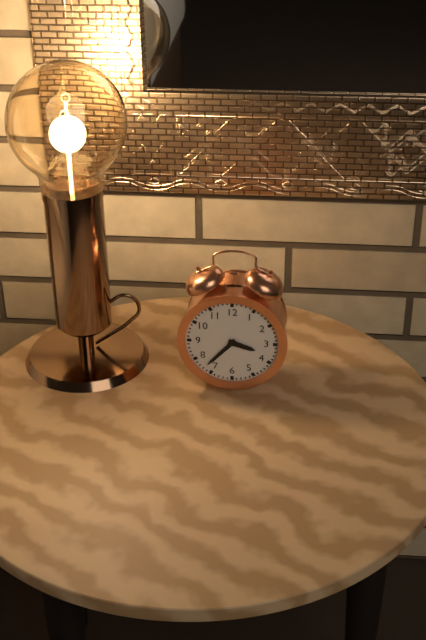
3 h 37 min
